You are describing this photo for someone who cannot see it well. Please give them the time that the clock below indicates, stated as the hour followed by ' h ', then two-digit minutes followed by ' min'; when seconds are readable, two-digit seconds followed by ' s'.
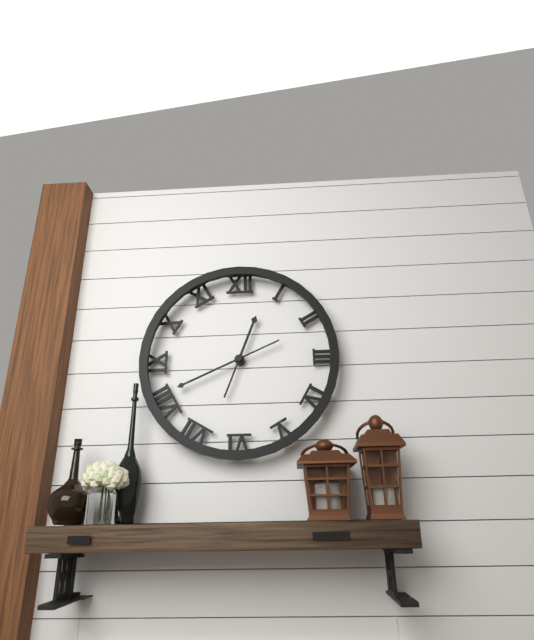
12 h 41 min
